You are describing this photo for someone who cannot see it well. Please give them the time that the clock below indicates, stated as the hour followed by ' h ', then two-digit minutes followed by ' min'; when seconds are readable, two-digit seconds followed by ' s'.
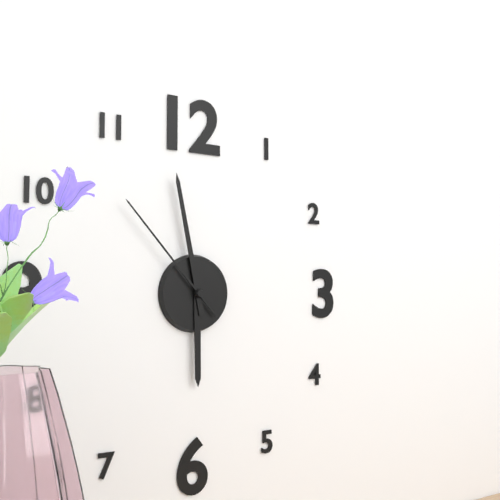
5 h 58 min 53 s
